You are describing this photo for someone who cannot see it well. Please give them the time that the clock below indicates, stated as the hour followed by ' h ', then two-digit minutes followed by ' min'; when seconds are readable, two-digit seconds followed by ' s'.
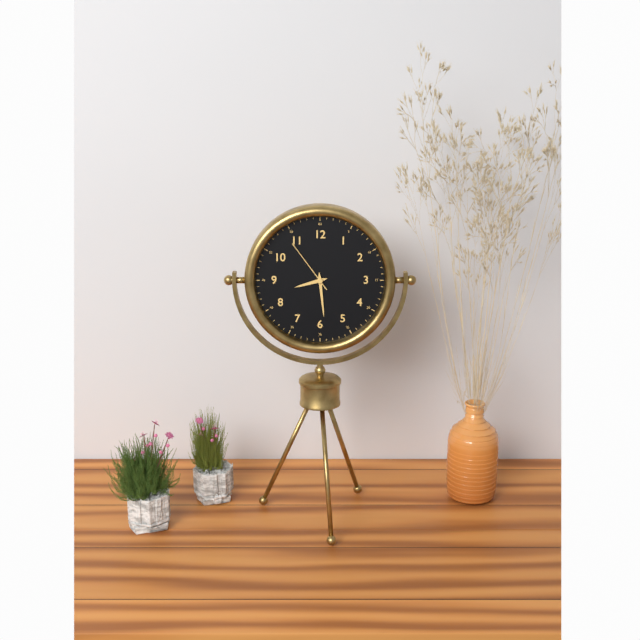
8 h 29 min 54 s
